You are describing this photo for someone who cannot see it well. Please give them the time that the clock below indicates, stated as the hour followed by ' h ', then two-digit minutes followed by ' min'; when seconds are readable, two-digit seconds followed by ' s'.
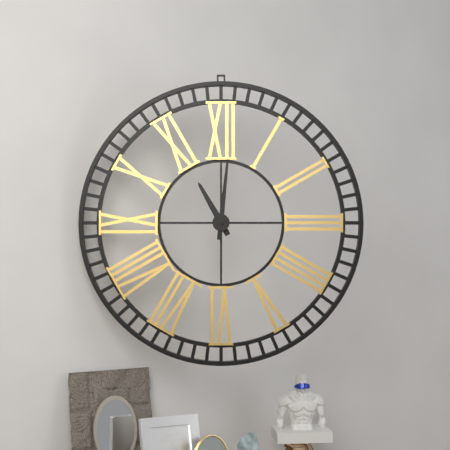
11 h 01 min
